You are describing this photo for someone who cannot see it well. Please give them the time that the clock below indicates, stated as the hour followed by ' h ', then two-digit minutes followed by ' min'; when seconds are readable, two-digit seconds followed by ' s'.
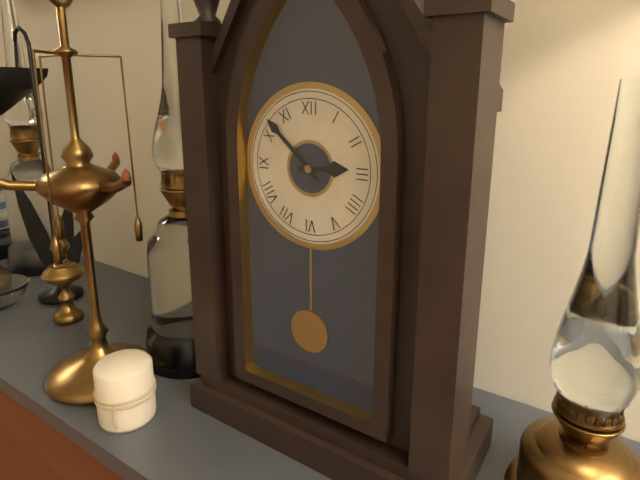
2 h 52 min
